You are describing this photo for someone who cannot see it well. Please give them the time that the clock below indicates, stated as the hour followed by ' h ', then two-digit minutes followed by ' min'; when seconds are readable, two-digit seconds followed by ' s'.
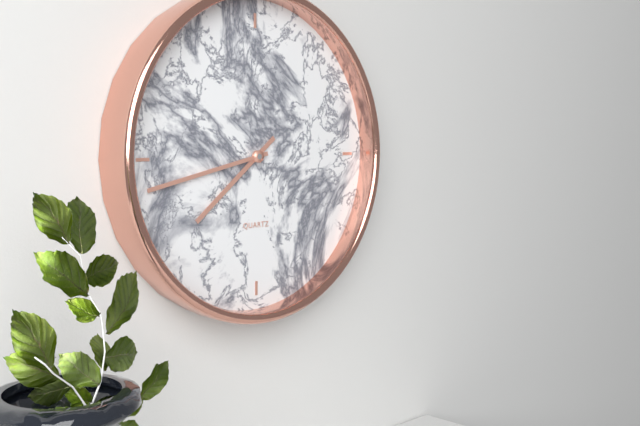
7 h 43 min
